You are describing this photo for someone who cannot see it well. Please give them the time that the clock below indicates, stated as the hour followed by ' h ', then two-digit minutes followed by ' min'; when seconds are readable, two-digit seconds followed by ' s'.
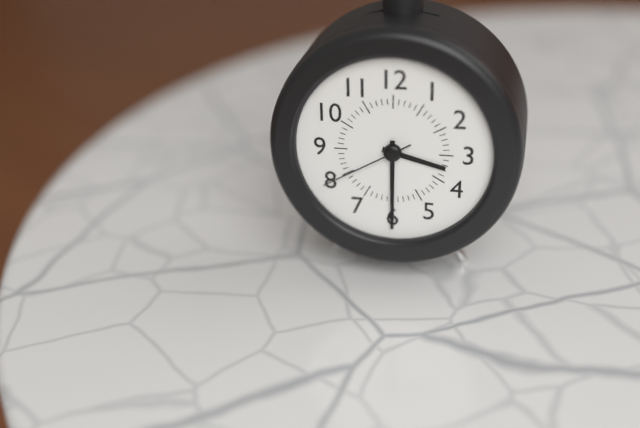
3 h 30 min 40 s
